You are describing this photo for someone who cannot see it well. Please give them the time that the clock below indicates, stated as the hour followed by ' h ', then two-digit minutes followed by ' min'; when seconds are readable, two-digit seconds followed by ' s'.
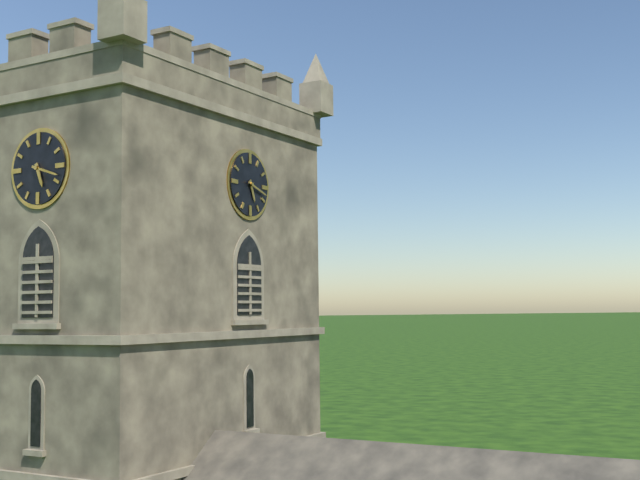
5 h 18 min
